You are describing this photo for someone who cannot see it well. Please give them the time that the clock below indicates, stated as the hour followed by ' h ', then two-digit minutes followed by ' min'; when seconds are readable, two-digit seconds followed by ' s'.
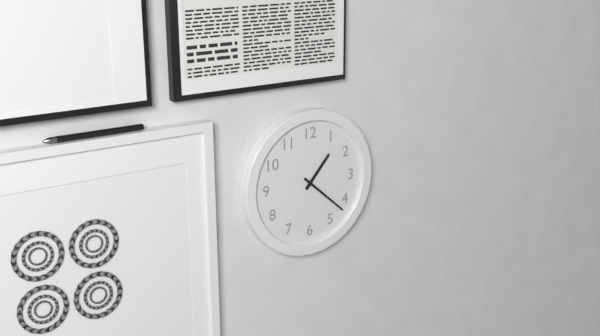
1 h 22 min
